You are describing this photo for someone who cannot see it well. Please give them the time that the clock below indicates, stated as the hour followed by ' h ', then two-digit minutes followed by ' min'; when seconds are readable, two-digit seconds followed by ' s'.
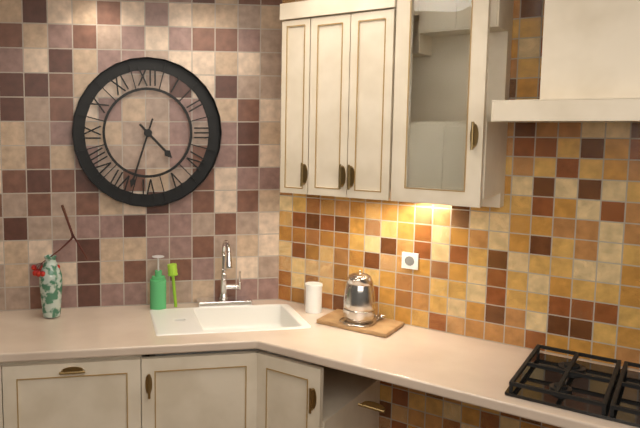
4 h 33 min
